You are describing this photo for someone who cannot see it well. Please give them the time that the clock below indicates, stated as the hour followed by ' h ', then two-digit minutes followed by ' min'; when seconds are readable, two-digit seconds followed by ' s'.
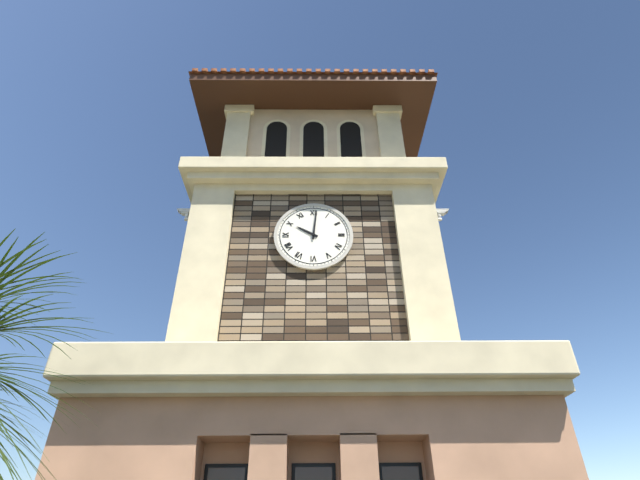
10 h 01 min
